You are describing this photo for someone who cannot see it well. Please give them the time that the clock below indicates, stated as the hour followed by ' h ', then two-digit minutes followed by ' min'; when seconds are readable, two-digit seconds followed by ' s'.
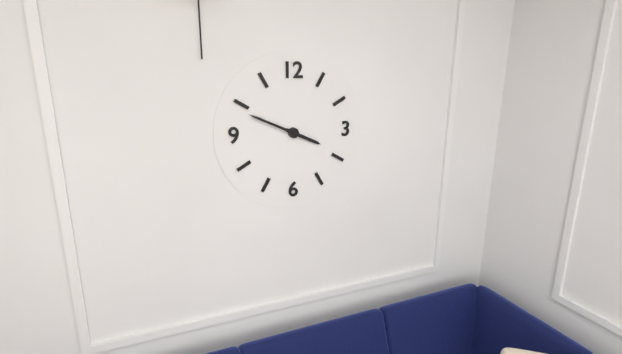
3 h 49 min
